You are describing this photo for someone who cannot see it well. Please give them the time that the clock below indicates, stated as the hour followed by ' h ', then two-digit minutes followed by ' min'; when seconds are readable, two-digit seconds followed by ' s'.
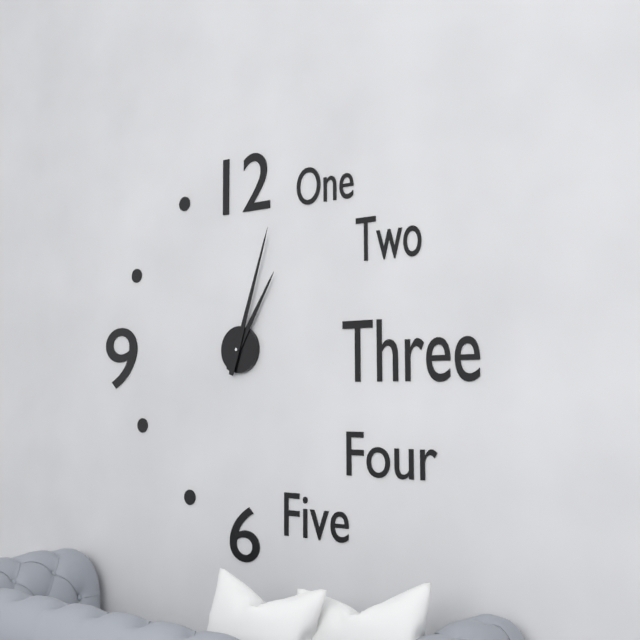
1 h 03 min
